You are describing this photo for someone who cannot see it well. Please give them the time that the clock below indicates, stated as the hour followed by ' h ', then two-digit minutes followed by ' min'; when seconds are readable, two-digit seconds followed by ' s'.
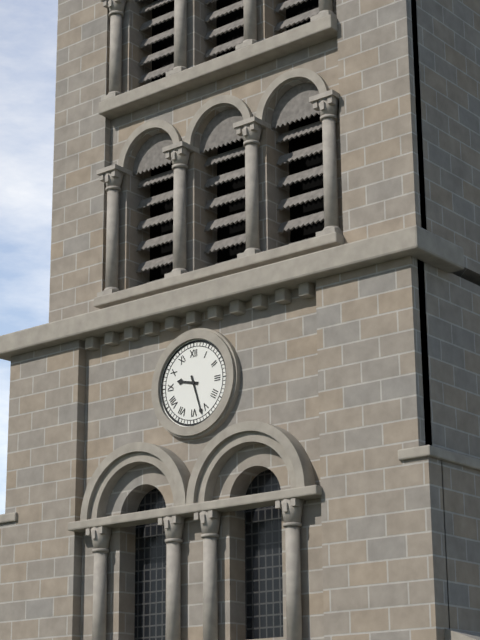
9 h 27 min
